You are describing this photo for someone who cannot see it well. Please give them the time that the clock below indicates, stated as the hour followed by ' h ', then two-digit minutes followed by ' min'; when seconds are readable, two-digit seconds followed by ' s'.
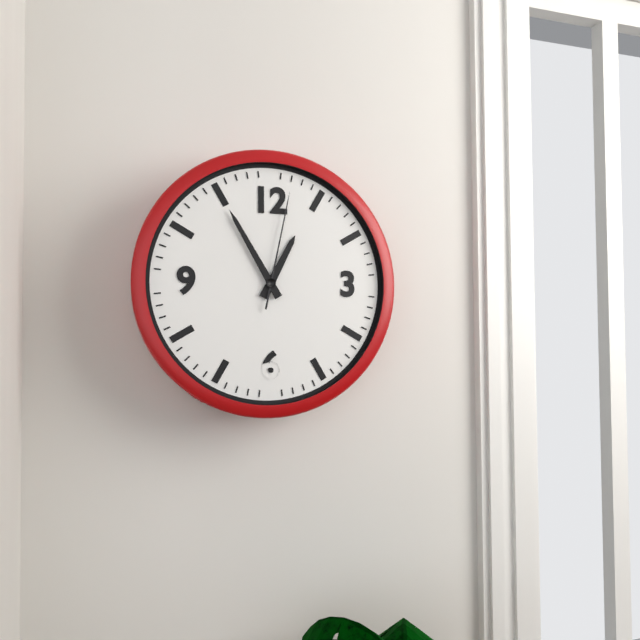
12 h 55 min 02 s
